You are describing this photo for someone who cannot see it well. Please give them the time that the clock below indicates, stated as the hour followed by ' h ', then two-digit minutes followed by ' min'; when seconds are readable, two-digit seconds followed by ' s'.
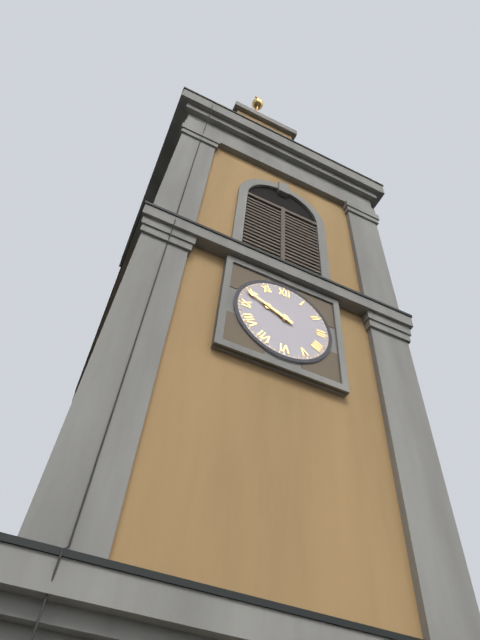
9 h 49 min
